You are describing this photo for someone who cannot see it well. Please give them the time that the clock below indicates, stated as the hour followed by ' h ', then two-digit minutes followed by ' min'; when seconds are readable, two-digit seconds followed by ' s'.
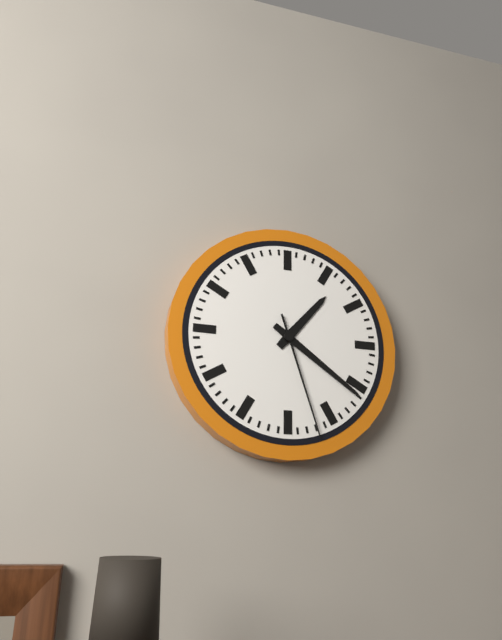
1 h 21 min 27 s
